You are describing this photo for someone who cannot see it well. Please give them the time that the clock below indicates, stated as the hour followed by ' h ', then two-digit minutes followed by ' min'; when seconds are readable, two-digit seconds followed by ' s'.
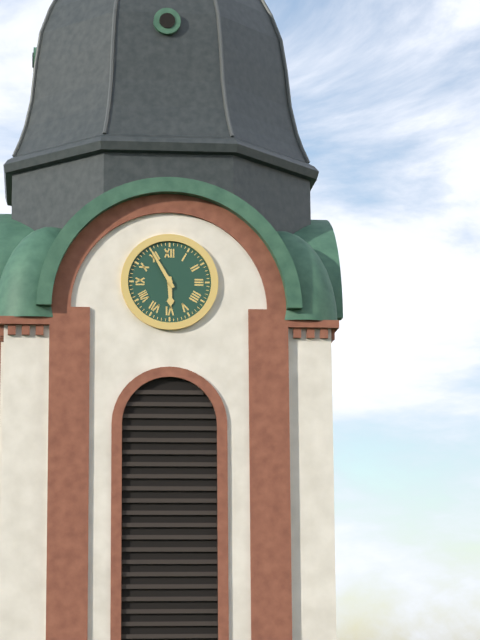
5 h 55 min
